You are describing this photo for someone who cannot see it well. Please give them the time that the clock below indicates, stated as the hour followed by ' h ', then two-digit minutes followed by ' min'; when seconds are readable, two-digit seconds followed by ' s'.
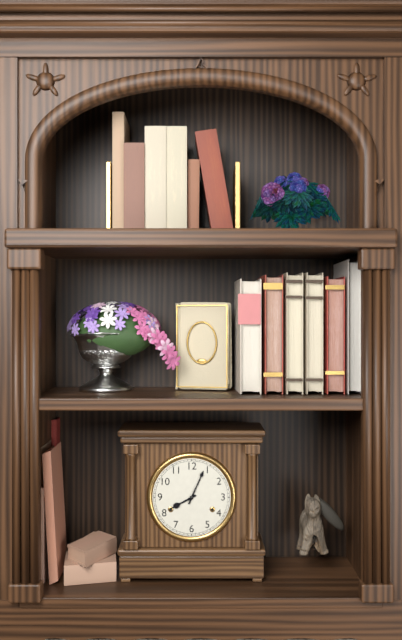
8 h 04 min
